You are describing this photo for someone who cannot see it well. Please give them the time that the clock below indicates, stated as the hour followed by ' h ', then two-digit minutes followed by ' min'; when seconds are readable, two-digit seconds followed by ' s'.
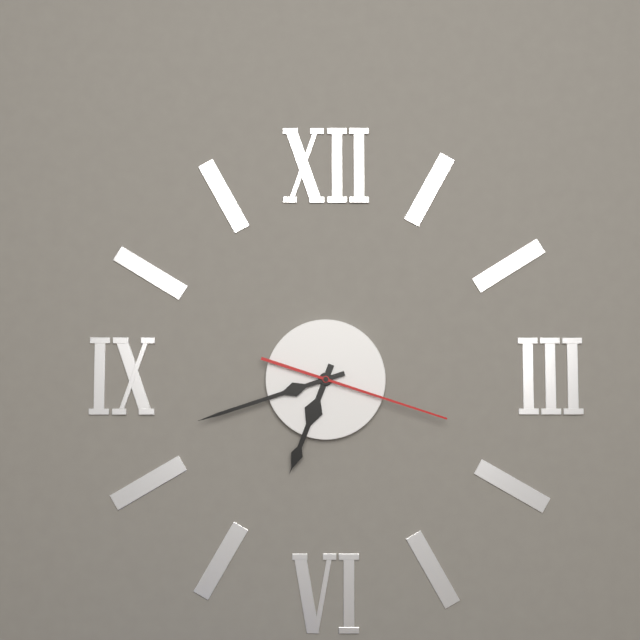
6 h 42 min 18 s
